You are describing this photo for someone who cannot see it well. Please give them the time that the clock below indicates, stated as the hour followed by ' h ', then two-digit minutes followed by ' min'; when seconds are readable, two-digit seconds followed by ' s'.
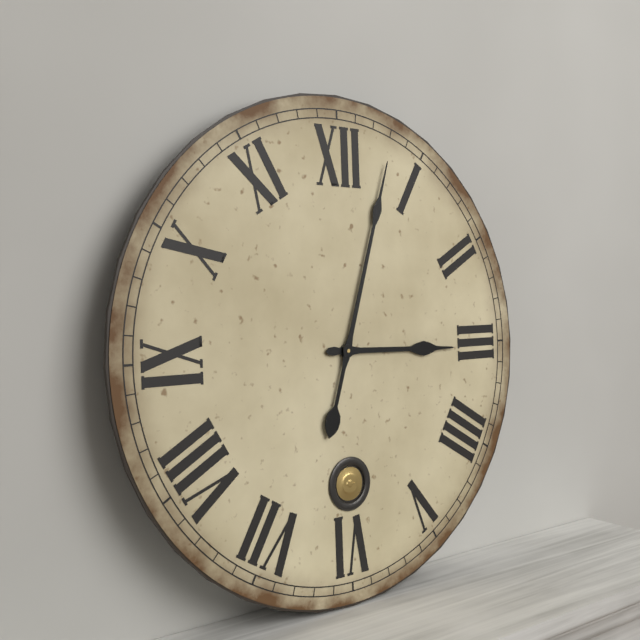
3 h 03 min
